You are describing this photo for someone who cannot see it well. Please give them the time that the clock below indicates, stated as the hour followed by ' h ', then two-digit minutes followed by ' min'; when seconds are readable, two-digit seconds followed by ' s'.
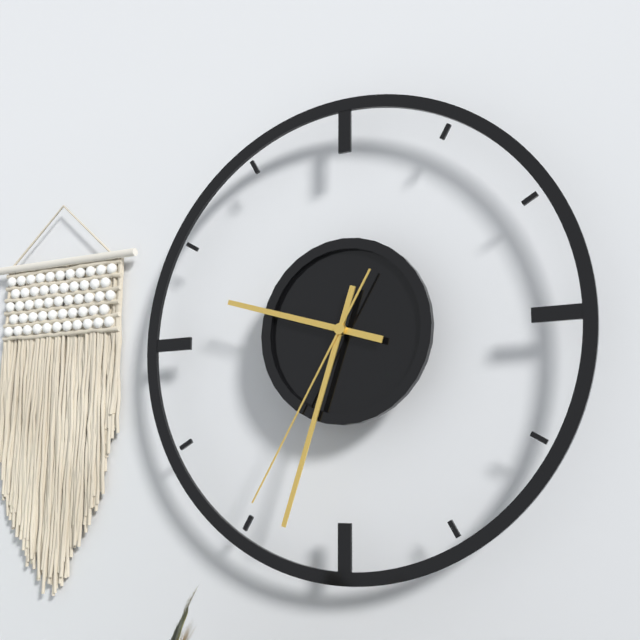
9 h 33 min 35 s
